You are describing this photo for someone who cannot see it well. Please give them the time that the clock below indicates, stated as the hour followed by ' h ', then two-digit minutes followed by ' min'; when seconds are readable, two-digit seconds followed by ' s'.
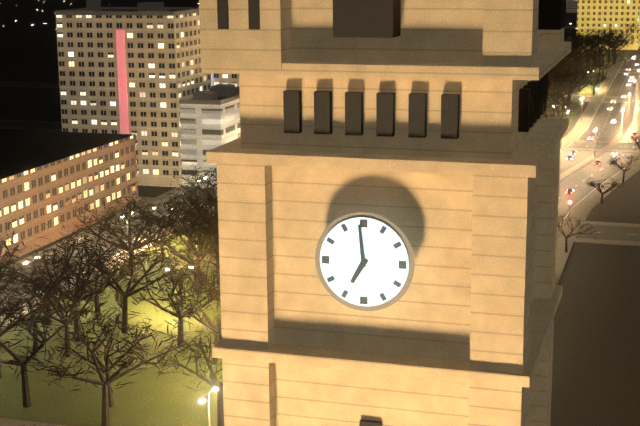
6 h 59 min
